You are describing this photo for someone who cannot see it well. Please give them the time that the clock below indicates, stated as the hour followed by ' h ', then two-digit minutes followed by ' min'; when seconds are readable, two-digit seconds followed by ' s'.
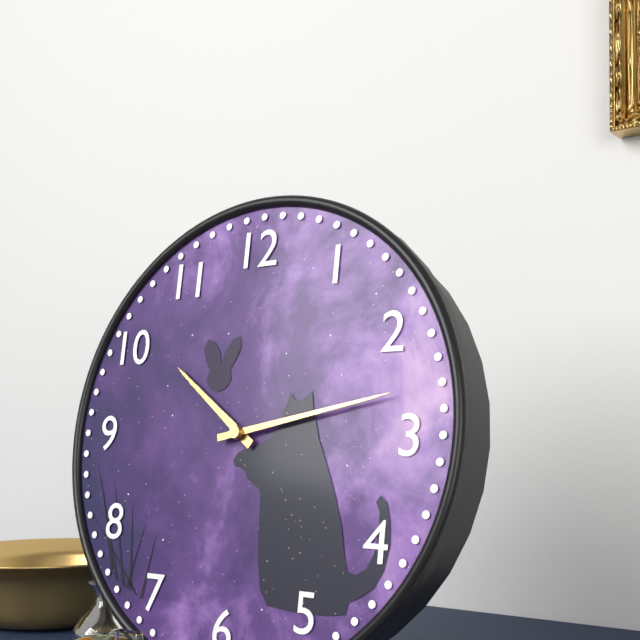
10 h 13 min
